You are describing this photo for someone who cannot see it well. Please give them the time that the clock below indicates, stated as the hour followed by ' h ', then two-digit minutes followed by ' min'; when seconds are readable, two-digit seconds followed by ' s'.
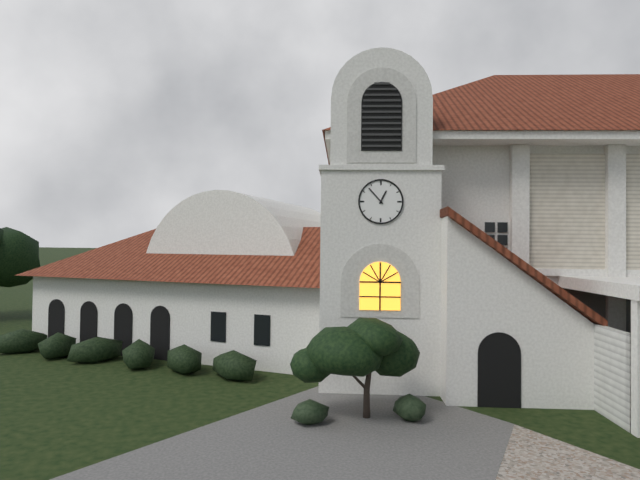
12 h 53 min
